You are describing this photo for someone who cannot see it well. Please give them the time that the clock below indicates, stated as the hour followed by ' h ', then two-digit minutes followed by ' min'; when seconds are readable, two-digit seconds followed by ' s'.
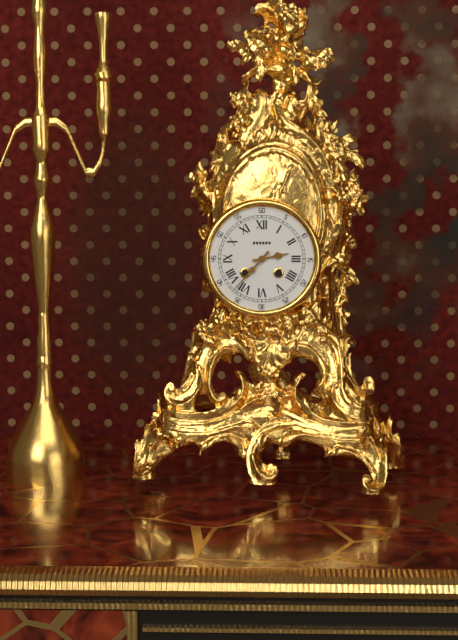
2 h 37 min
